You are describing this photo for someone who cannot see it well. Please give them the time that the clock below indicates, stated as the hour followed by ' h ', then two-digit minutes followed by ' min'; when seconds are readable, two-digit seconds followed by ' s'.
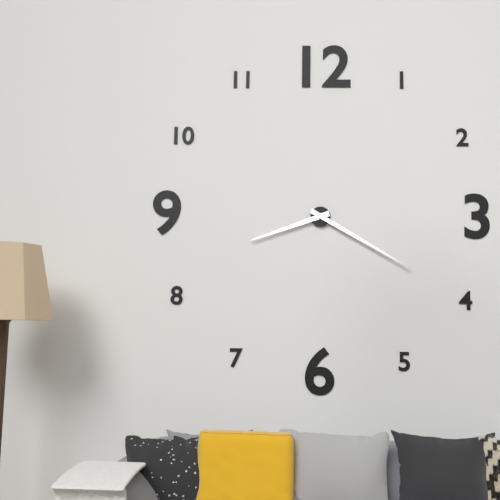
8 h 20 min
